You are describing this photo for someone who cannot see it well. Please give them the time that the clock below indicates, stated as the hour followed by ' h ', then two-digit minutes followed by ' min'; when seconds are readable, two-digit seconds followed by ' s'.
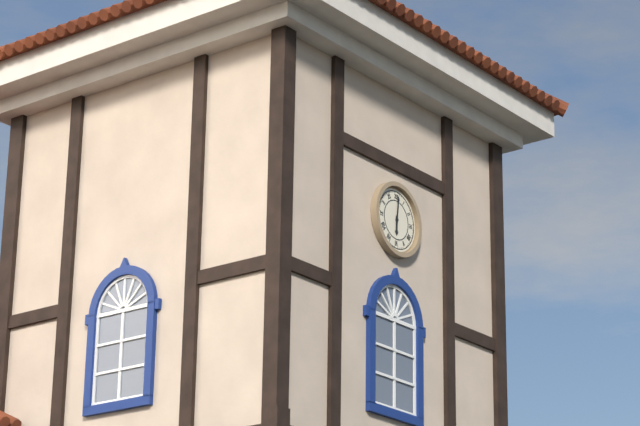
6 h 01 min
